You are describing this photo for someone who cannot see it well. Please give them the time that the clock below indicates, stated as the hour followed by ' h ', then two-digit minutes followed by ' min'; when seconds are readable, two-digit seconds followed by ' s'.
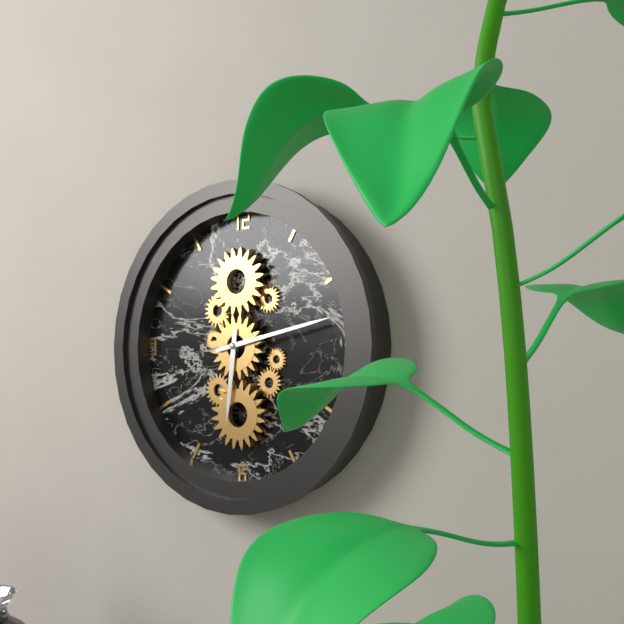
6 h 13 min
